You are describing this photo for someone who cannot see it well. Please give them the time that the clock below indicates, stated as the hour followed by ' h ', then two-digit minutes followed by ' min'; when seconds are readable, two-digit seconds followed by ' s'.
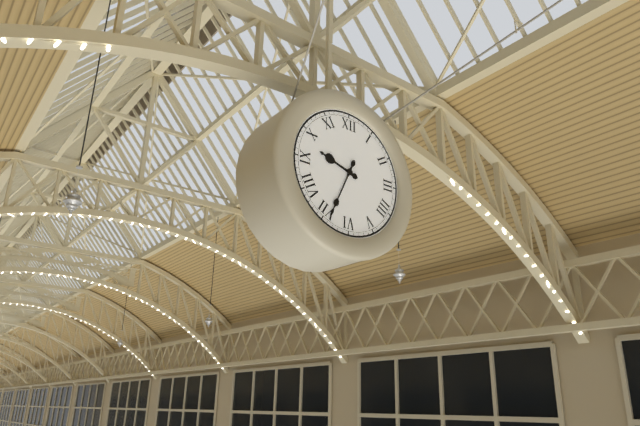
9 h 34 min
